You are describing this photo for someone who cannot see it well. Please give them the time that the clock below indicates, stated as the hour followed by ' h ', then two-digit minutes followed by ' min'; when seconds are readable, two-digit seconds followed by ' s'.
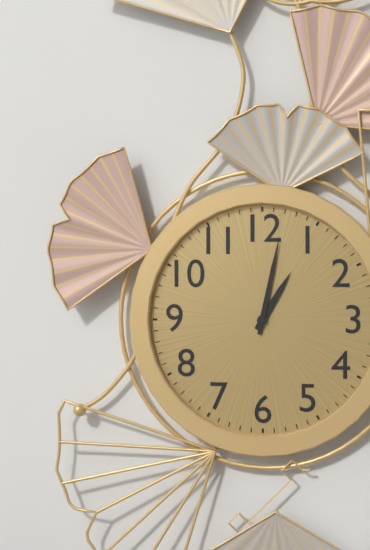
1 h 02 min
